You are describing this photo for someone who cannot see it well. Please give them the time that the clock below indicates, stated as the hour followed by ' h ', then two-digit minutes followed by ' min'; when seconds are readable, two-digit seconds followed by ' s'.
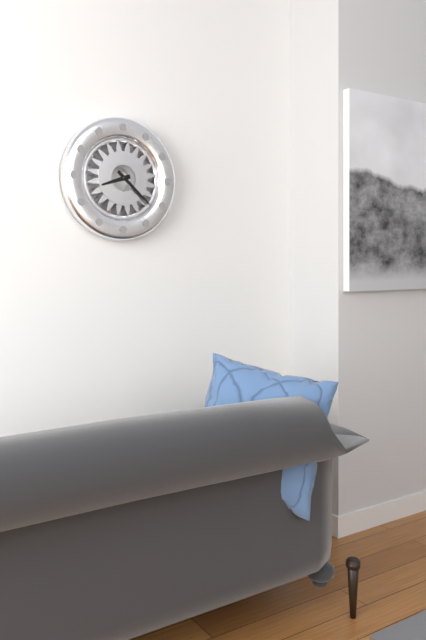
8 h 22 min
